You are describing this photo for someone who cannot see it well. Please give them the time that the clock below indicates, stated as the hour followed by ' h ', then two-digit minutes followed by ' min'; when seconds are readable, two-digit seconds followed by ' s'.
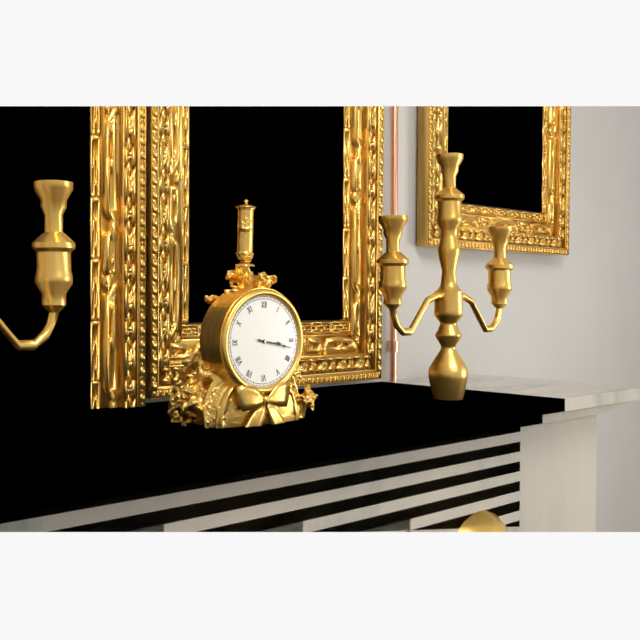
3 h 17 min
